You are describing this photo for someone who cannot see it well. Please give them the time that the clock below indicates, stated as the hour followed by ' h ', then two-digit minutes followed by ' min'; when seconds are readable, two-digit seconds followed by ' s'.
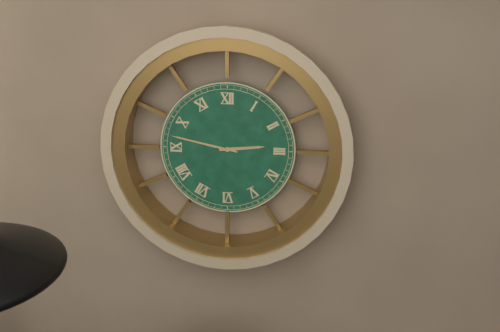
2 h 47 min
